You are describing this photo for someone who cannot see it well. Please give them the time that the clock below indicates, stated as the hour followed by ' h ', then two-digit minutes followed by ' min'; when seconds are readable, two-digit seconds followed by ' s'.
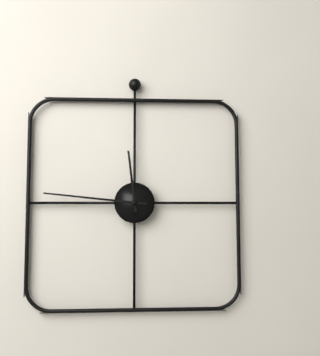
11 h 46 min
